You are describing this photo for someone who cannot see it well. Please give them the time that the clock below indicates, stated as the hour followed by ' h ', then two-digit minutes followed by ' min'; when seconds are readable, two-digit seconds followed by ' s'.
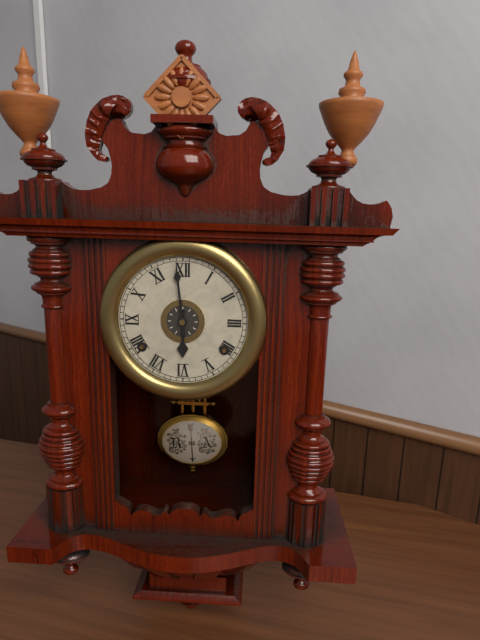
5 h 59 min
